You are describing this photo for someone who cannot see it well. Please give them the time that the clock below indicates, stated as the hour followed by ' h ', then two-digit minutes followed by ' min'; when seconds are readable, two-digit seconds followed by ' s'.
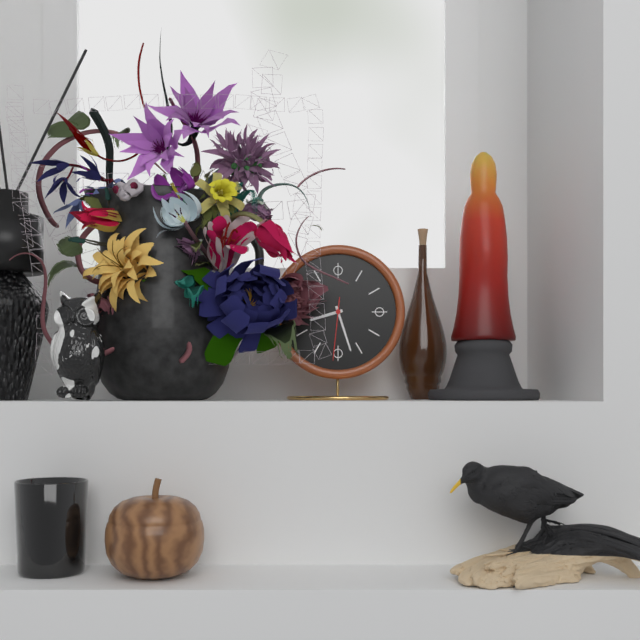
8 h 27 min 31 s
